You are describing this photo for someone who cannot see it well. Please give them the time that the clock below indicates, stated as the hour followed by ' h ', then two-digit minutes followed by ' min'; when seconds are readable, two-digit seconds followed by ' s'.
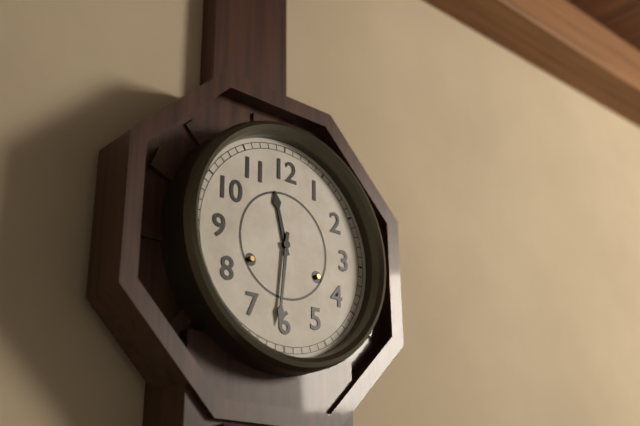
11 h 31 min
